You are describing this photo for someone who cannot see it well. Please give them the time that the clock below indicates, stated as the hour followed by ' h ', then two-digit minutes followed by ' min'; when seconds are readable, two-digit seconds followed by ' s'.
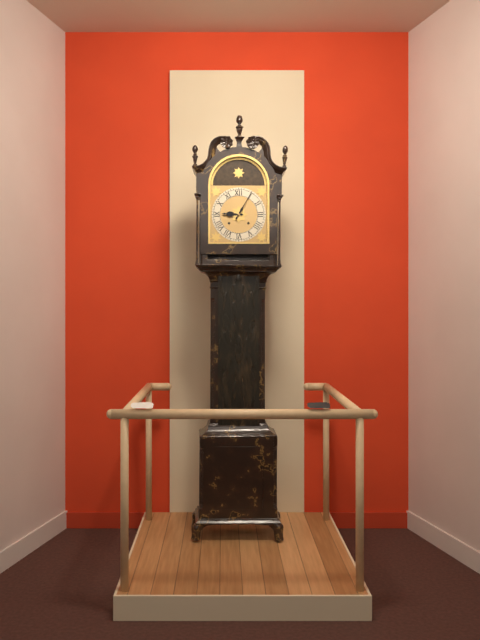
9 h 05 min
